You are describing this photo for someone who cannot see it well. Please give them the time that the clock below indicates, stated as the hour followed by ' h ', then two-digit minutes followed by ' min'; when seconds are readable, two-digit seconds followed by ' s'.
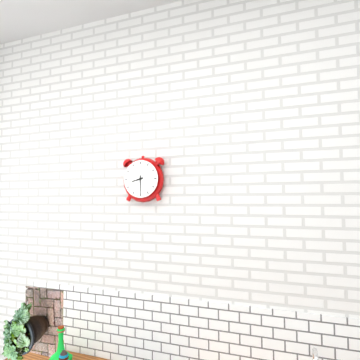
8 h 30 min
